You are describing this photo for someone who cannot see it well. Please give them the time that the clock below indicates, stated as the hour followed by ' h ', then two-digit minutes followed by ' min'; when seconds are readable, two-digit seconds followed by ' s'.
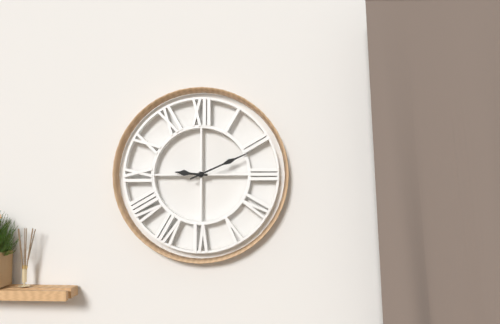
9 h 11 min
